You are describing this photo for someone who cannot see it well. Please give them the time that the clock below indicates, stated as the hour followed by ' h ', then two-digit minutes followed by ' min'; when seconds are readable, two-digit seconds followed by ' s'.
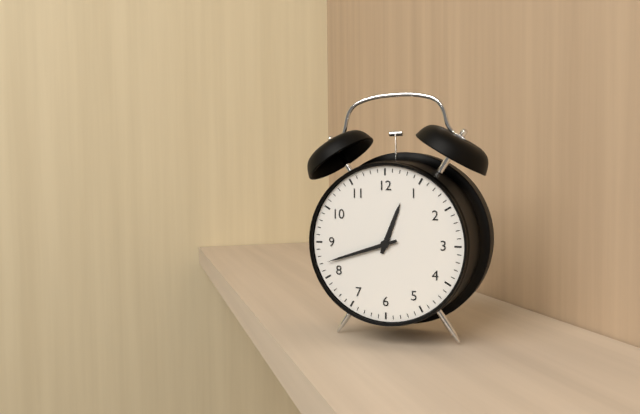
12 h 42 min
